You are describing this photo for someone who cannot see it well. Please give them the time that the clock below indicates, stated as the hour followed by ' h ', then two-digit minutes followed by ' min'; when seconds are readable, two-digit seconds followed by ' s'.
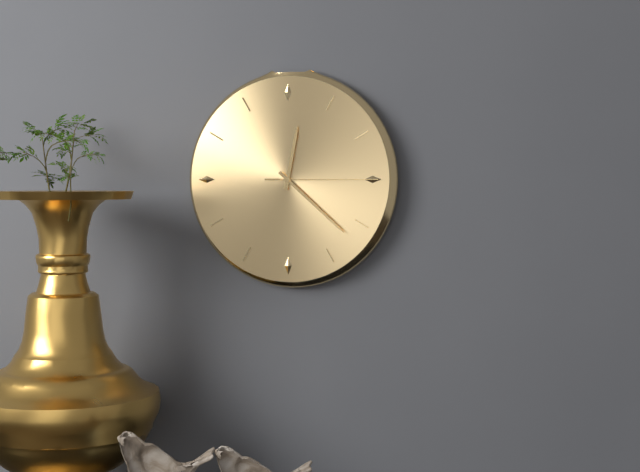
12 h 22 min 15 s
